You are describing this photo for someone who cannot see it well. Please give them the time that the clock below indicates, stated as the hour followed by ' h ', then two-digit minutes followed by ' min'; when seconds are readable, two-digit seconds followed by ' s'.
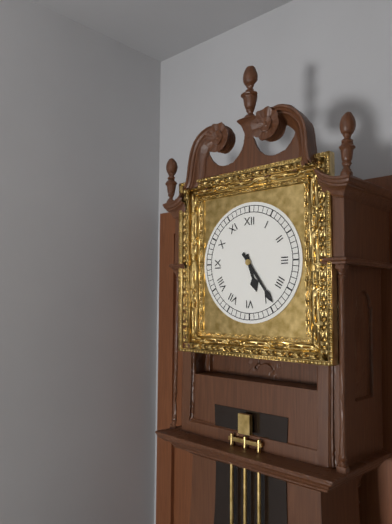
5 h 24 min
